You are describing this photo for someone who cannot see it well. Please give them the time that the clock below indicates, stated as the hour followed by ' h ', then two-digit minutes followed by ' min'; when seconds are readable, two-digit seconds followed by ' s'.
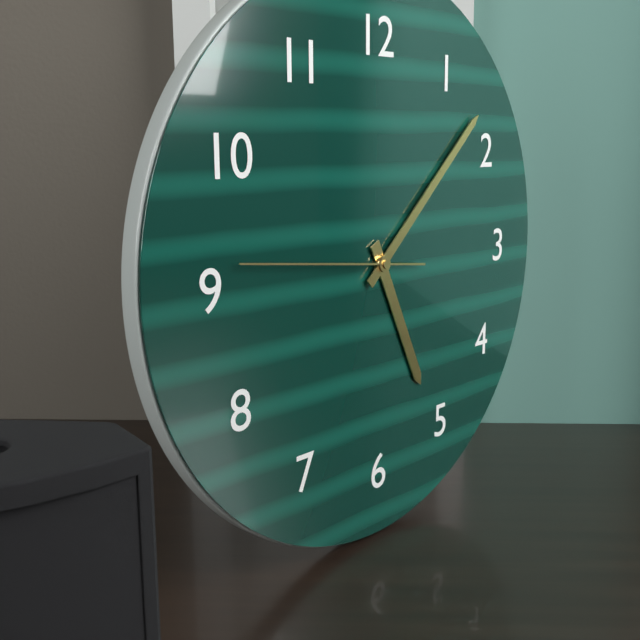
5 h 08 min 46 s
